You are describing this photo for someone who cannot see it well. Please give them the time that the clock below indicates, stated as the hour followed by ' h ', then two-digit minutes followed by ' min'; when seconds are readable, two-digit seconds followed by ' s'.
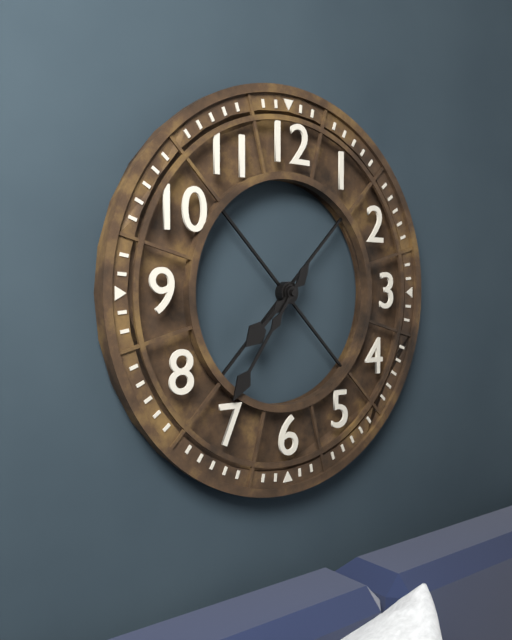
7 h 36 min
